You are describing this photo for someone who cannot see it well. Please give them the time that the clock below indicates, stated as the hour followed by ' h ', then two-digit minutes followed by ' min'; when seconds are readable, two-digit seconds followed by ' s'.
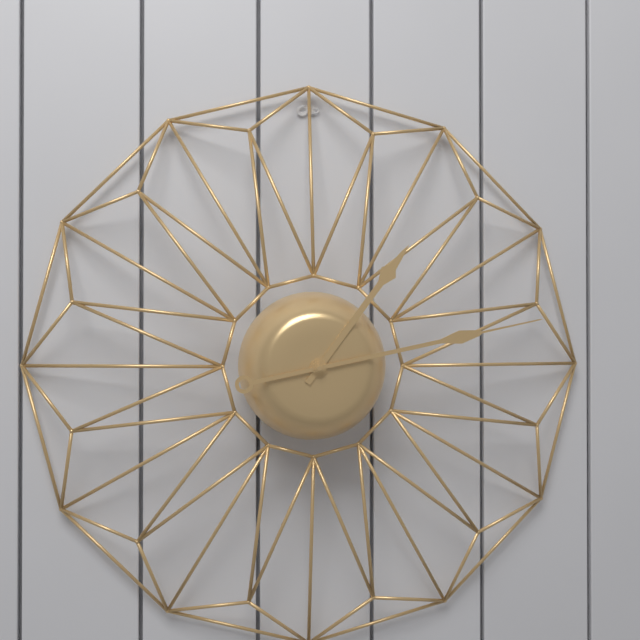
1 h 13 min
